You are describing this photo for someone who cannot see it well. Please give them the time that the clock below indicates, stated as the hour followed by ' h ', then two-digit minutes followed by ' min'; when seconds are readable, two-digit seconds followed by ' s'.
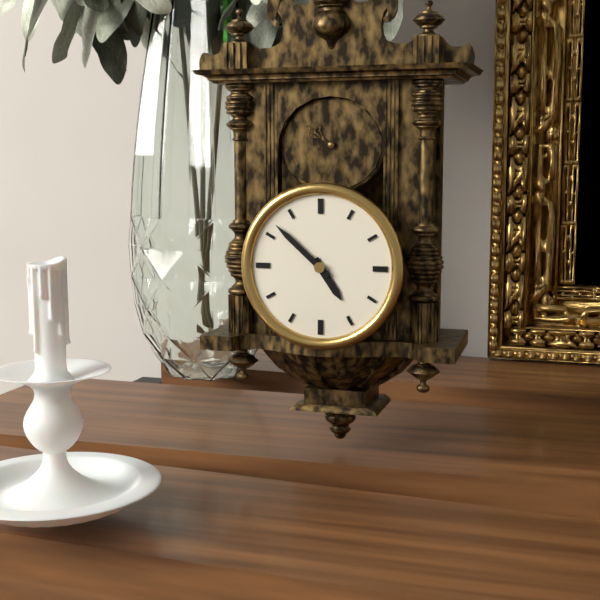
4 h 52 min
